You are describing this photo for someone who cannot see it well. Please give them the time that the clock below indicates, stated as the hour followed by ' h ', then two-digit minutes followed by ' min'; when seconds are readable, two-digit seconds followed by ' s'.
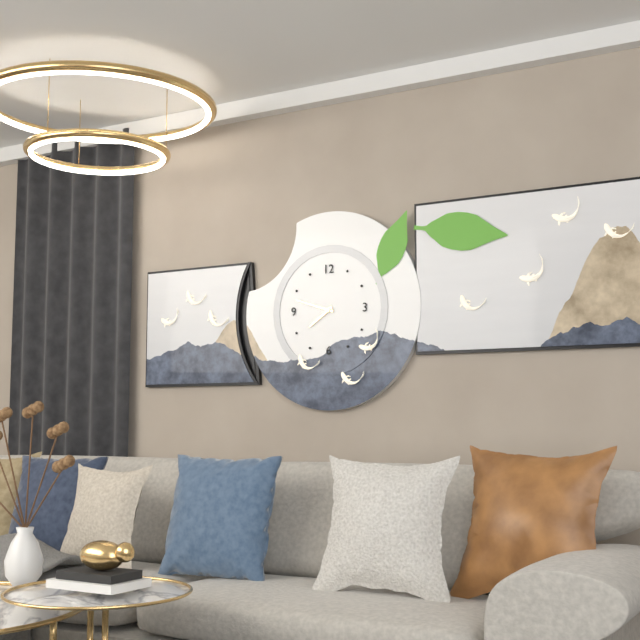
7 h 48 min
